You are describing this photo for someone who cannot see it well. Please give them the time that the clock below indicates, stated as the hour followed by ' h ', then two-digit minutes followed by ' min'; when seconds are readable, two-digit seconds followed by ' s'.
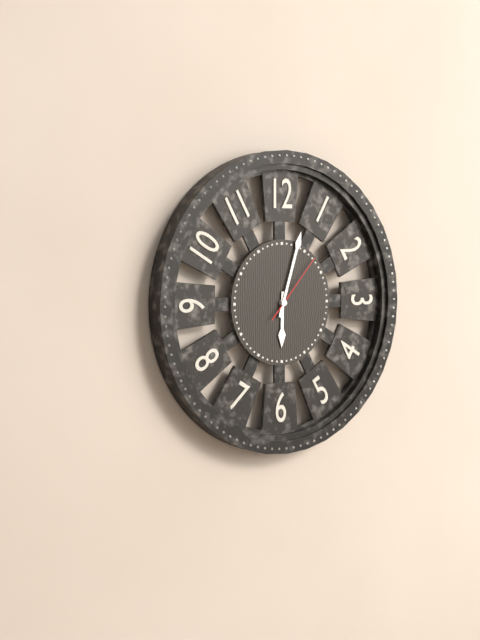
6 h 03 min 07 s
